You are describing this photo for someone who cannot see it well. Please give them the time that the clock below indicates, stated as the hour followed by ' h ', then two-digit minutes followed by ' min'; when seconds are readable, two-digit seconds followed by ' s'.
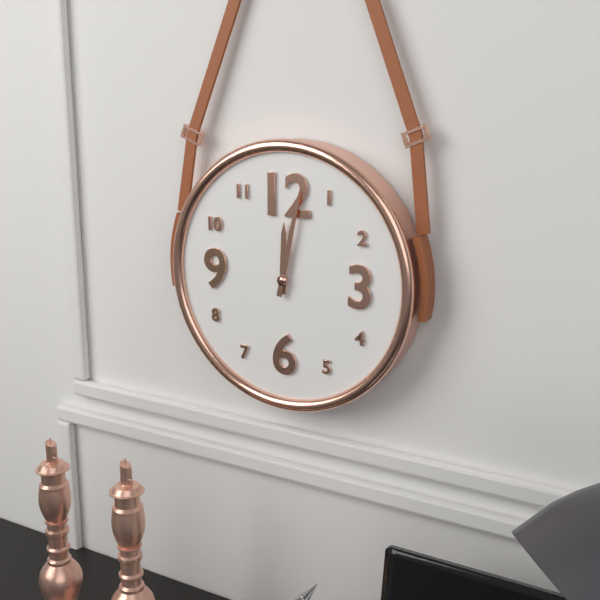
12 h 02 min
